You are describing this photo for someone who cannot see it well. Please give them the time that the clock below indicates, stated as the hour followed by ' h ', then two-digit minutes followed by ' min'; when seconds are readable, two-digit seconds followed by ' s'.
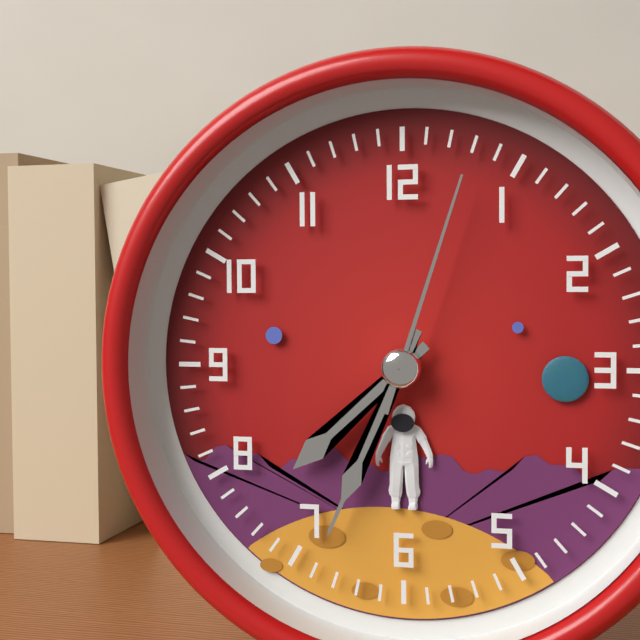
7 h 34 min 03 s
